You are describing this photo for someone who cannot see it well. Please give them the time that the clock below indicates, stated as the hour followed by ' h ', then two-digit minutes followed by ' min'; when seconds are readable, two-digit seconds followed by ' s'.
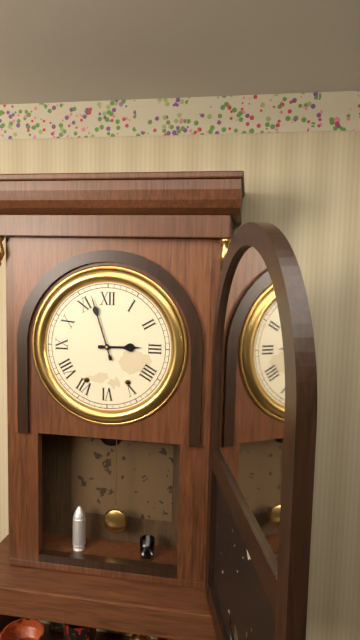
2 h 57 min
